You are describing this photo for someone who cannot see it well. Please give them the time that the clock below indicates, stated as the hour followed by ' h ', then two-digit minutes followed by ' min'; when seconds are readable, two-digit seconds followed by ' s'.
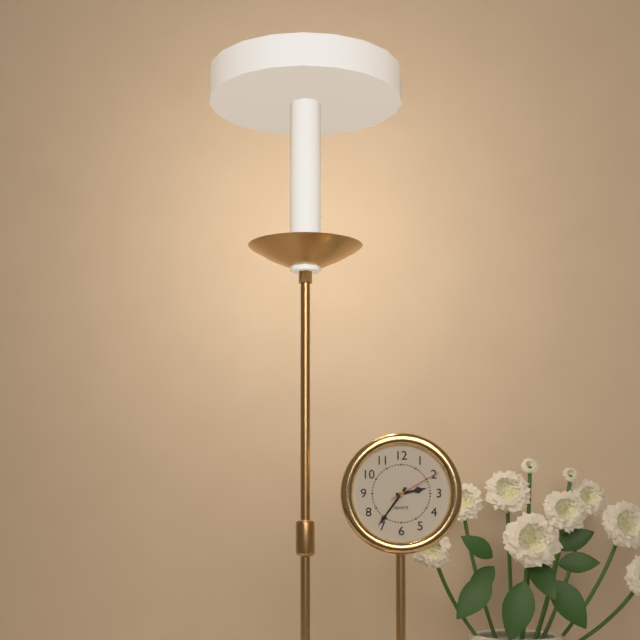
2 h 36 min 10 s
